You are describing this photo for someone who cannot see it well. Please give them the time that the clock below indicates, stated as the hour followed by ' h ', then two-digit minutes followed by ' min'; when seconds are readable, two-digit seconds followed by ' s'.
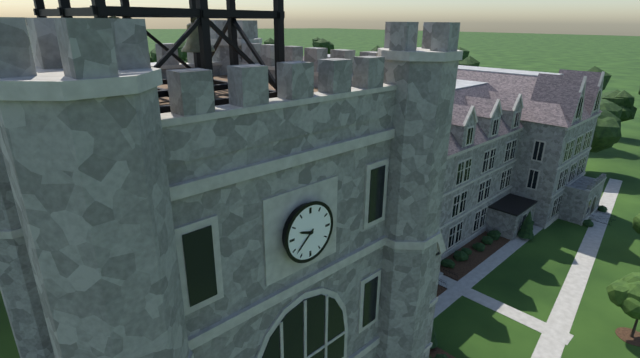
9 h 38 min
